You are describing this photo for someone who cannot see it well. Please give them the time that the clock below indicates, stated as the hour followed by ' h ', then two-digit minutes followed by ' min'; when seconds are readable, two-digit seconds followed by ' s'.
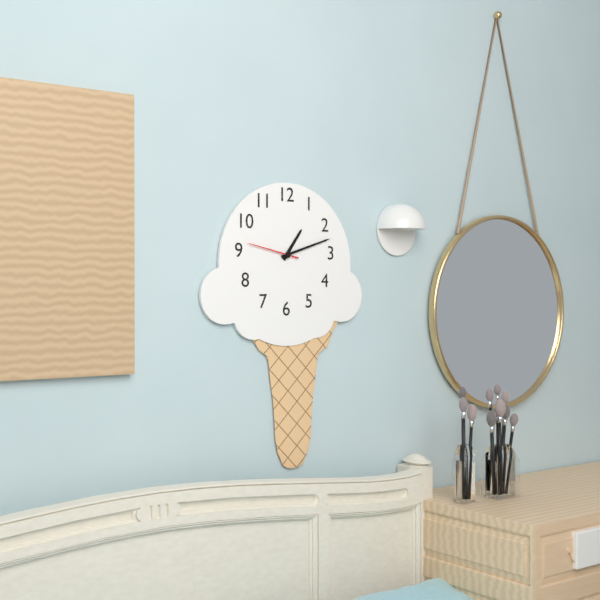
1 h 12 min 47 s
